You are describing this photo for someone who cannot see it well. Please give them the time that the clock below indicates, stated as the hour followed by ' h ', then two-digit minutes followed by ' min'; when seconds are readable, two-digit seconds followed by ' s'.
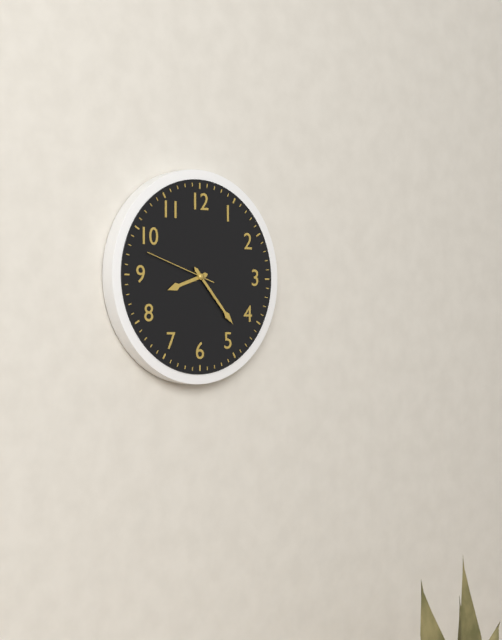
8 h 23 min 48 s
